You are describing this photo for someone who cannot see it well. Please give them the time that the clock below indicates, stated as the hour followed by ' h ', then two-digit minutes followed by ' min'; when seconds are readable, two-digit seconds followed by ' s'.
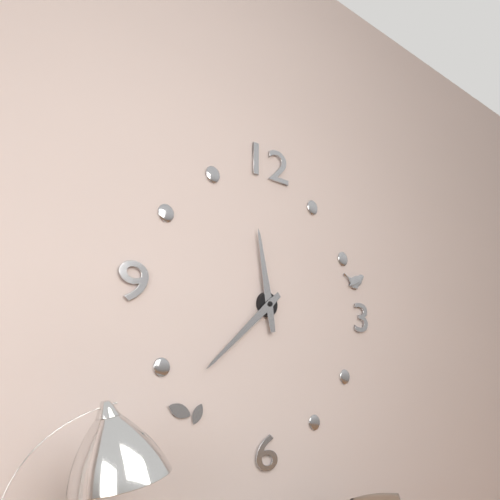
11 h 38 min
